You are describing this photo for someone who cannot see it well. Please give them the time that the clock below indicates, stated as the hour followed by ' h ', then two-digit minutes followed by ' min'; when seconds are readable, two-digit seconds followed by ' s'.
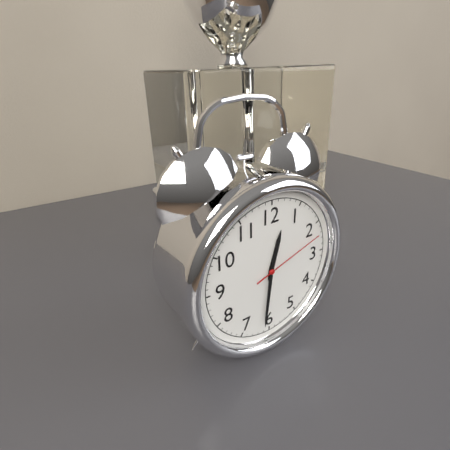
12 h 31 min 12 s
